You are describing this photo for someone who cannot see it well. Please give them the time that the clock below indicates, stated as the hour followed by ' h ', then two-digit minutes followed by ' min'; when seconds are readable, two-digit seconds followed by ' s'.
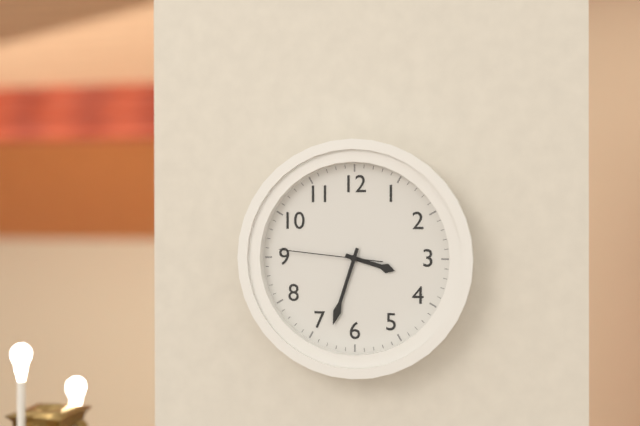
3 h 33 min 46 s
